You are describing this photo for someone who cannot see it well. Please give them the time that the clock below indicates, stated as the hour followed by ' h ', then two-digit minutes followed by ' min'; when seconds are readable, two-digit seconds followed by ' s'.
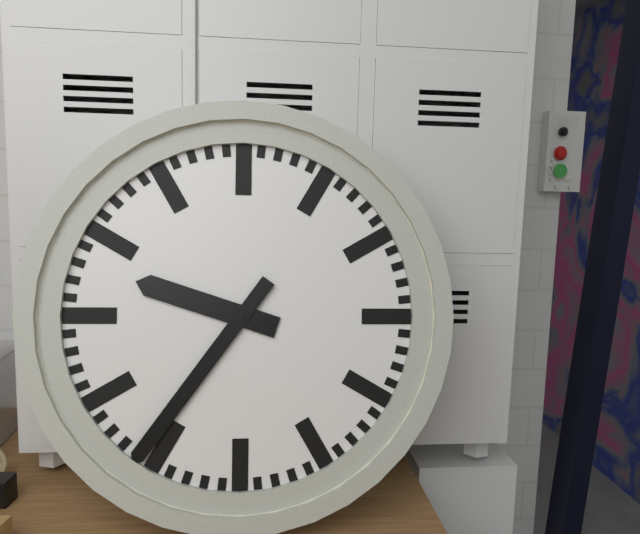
9 h 36 min
